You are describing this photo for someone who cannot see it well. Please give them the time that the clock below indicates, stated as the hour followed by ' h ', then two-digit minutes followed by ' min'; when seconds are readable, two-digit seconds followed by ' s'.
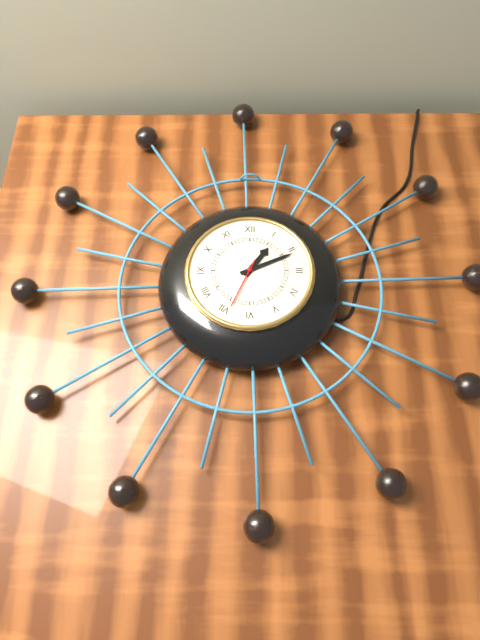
1 h 11 min 34 s
